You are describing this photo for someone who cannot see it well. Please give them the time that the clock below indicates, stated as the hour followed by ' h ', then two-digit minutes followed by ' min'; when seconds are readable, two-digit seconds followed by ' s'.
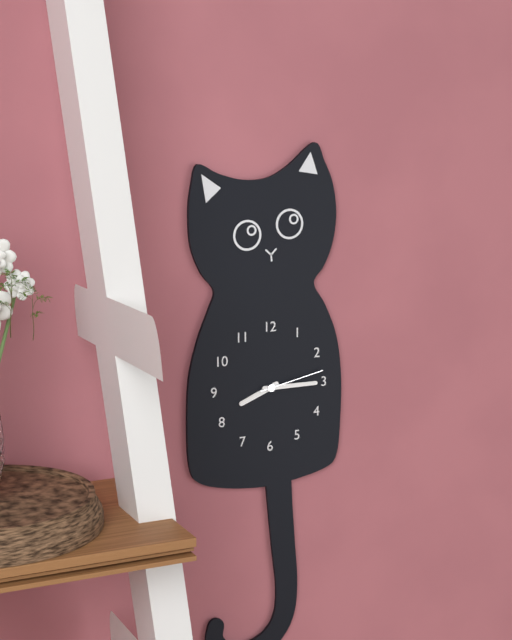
8 h 15 min 13 s
